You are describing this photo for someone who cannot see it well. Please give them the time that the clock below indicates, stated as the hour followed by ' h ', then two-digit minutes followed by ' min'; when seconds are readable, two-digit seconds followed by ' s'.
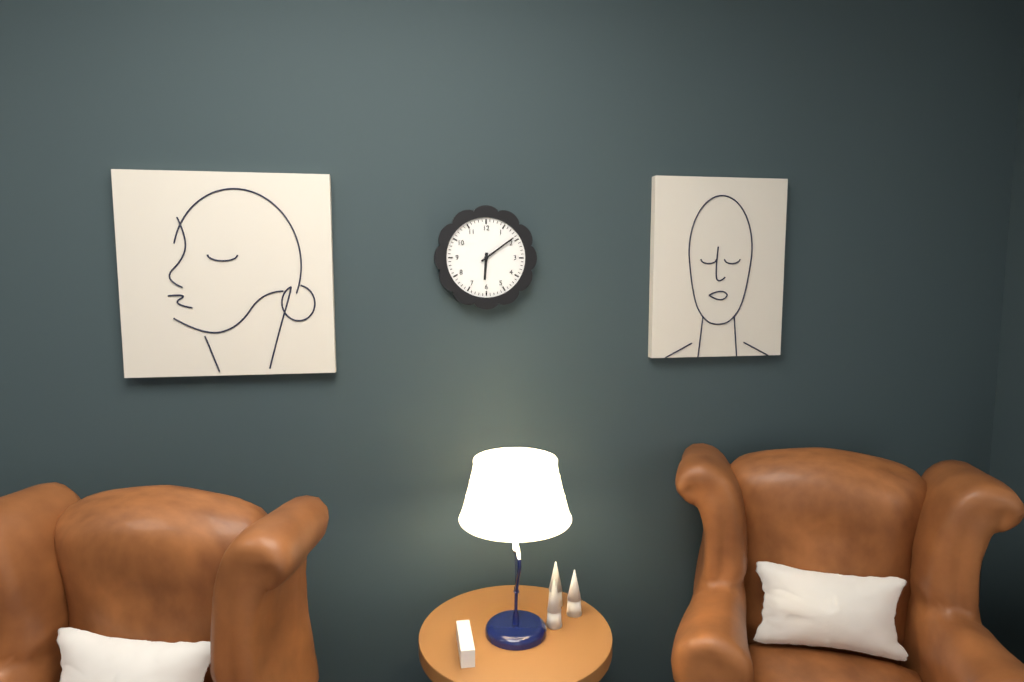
6 h 09 min
